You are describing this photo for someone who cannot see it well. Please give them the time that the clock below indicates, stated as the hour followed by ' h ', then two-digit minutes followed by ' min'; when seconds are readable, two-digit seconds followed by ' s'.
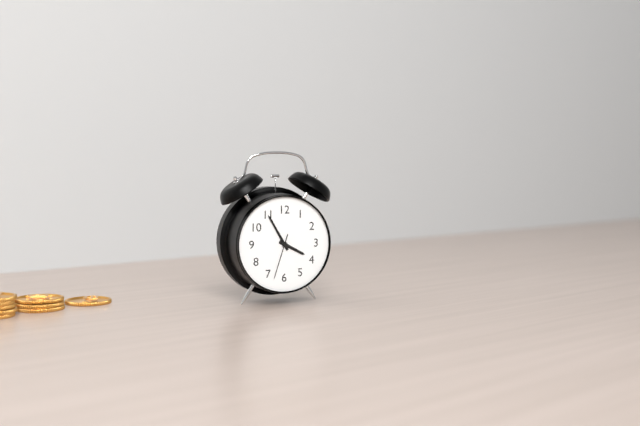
3 h 55 min
